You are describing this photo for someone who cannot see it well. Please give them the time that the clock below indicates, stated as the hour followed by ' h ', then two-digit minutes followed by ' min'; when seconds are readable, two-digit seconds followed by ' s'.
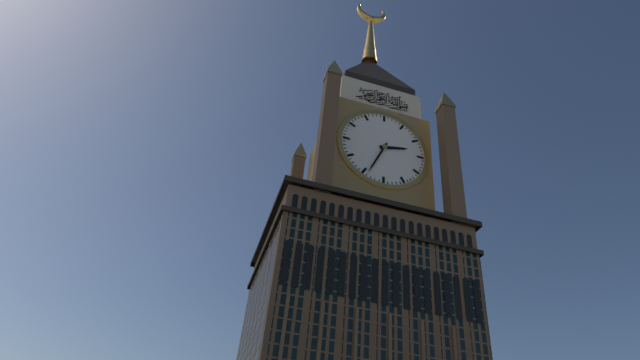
2 h 34 min
